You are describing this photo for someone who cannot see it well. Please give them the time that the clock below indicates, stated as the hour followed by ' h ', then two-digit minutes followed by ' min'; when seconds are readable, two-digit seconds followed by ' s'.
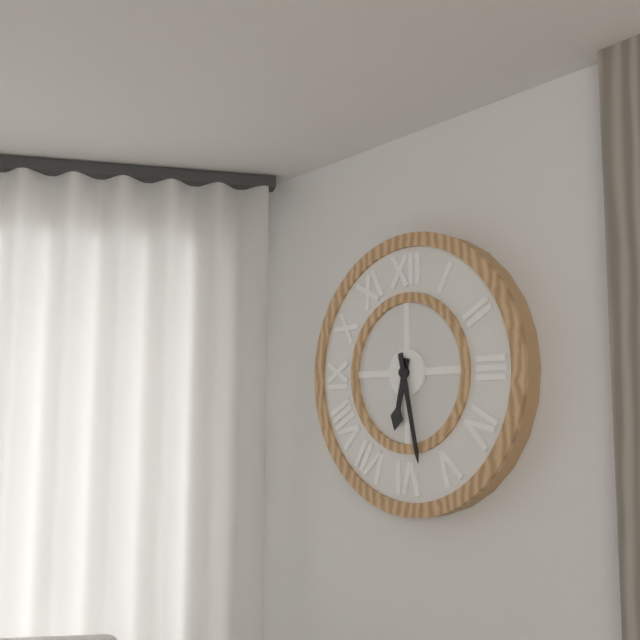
6 h 28 min
